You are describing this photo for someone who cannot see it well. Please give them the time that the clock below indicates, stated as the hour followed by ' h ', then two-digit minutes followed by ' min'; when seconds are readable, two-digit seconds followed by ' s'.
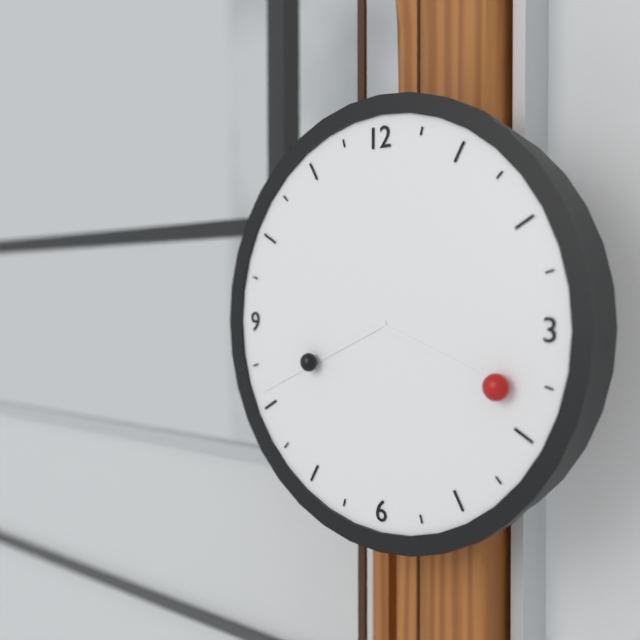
3 h 41 min
